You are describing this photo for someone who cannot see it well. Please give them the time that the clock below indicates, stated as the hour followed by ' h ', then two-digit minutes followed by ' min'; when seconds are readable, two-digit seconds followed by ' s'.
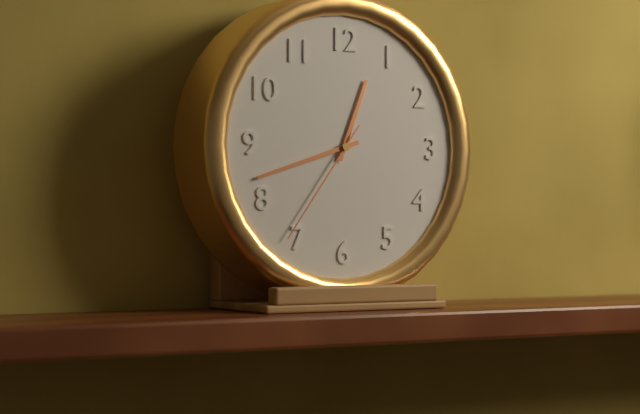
12 h 42 min 36 s
